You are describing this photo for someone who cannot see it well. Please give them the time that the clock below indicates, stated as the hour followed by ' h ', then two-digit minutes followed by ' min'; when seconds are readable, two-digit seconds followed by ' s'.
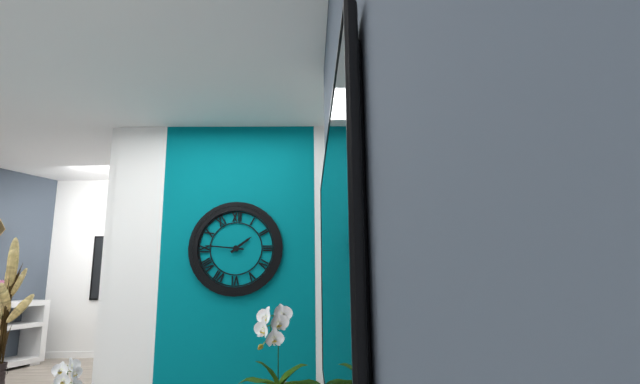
1 h 46 min
